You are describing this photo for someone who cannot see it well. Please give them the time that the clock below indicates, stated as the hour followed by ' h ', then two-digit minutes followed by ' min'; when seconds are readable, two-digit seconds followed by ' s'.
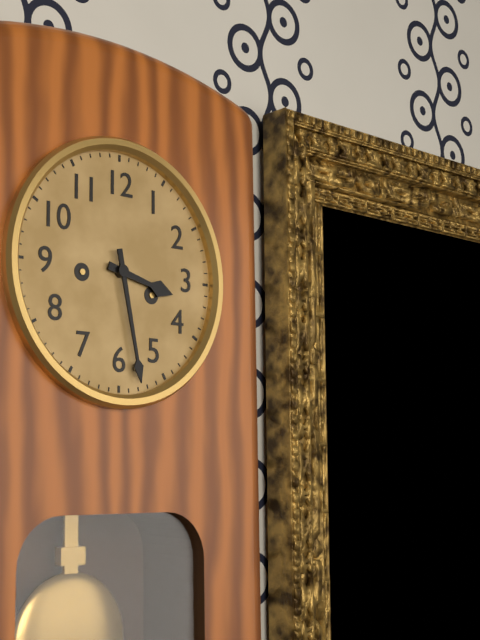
3 h 28 min
